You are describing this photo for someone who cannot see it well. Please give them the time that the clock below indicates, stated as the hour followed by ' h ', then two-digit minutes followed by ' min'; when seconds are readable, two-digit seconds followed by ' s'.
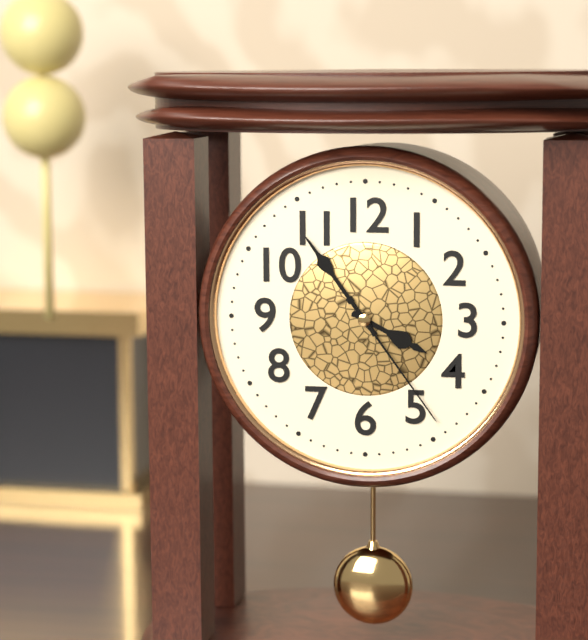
3 h 54 min 24 s
